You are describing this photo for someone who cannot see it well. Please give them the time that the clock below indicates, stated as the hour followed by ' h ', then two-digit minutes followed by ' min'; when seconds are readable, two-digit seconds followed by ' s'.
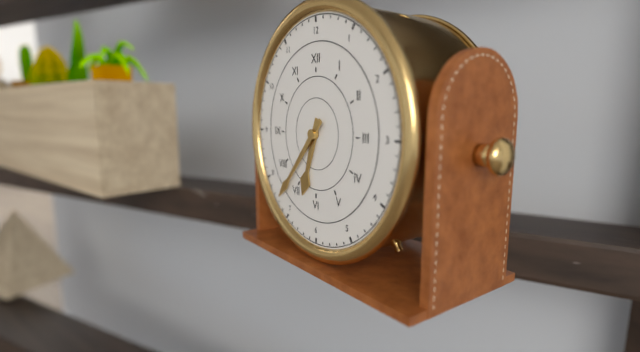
6 h 37 min
